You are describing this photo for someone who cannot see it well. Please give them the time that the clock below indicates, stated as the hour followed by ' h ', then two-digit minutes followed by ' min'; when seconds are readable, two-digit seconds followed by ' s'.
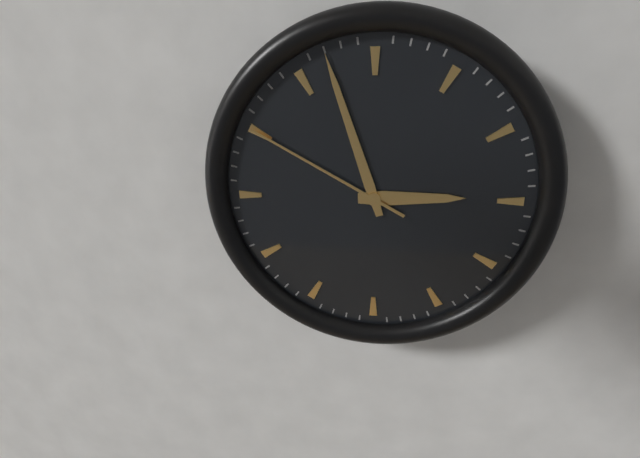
2 h 57 min 50 s
